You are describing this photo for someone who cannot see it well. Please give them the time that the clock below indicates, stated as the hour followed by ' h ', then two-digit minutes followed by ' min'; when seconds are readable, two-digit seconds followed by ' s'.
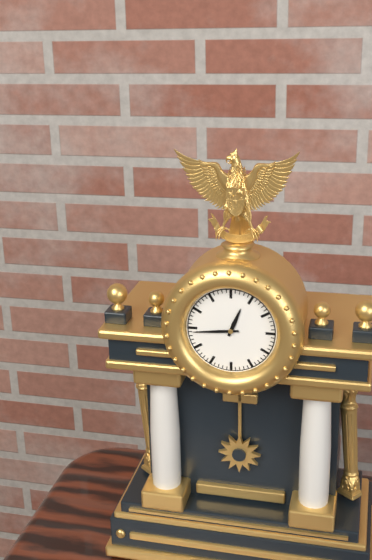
12 h 44 min
